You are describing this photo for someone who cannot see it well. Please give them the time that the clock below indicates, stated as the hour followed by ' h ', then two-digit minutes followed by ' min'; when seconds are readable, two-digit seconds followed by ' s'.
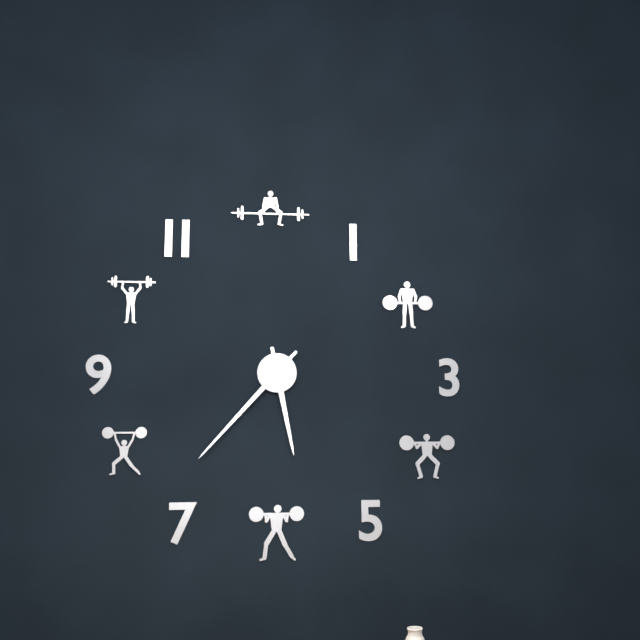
5 h 37 min
